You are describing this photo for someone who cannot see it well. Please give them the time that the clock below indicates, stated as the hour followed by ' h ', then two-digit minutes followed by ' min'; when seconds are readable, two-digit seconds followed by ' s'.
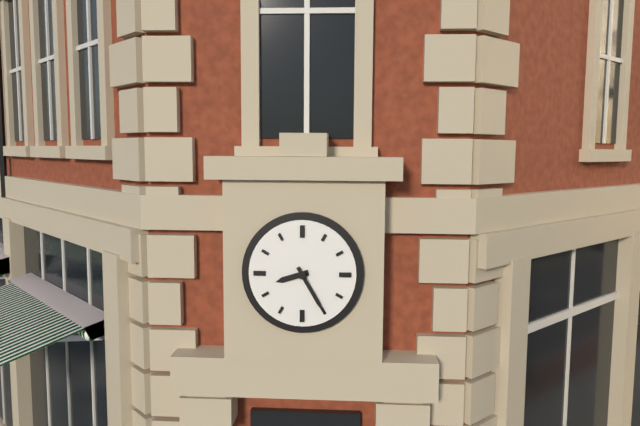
8 h 25 min
